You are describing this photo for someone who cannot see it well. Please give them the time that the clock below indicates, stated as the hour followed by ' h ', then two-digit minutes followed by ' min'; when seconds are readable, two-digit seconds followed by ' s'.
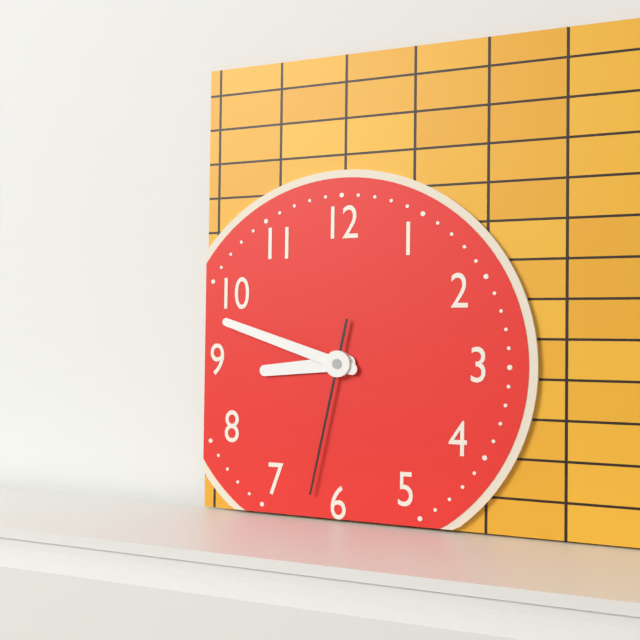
8 h 48 min 32 s
